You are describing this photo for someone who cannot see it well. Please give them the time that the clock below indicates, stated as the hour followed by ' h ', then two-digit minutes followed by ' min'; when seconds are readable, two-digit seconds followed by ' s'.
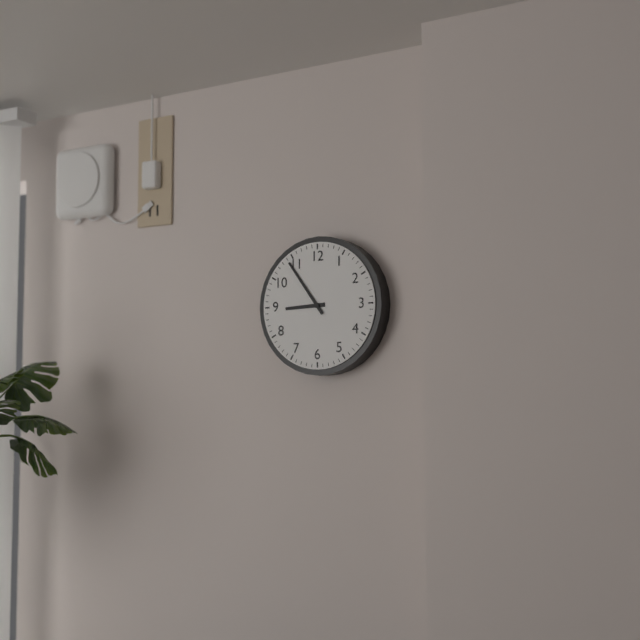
8 h 54 min
